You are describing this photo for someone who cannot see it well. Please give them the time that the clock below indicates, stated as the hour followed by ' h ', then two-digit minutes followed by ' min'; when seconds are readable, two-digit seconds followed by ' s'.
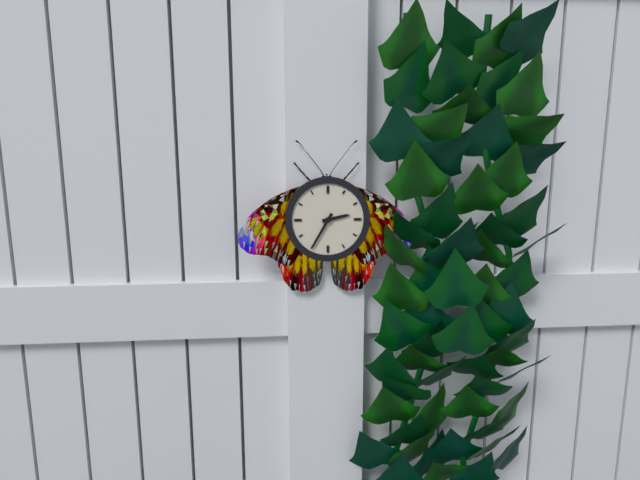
2 h 35 min
